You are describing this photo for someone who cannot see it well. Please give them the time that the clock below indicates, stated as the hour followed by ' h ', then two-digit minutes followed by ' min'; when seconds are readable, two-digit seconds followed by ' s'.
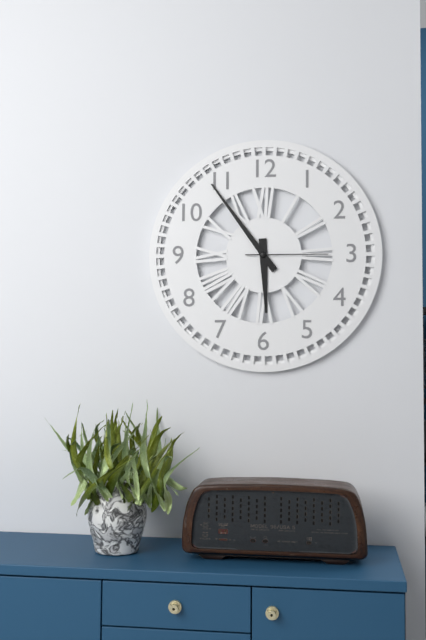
5 h 54 min 15 s
